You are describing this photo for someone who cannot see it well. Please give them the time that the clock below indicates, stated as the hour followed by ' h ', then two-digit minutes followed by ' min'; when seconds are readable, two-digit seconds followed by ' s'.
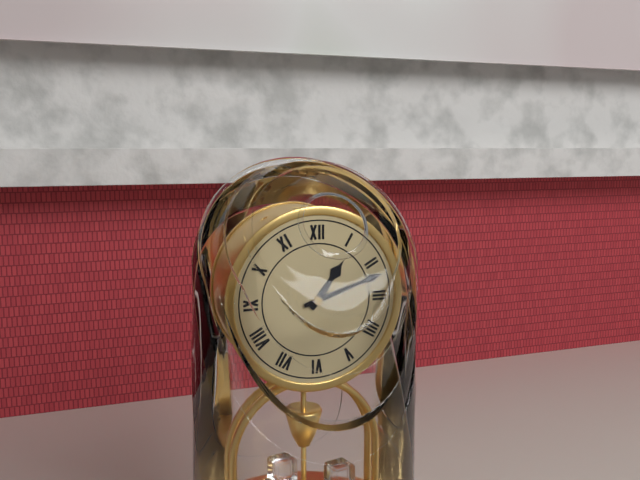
1 h 12 min
